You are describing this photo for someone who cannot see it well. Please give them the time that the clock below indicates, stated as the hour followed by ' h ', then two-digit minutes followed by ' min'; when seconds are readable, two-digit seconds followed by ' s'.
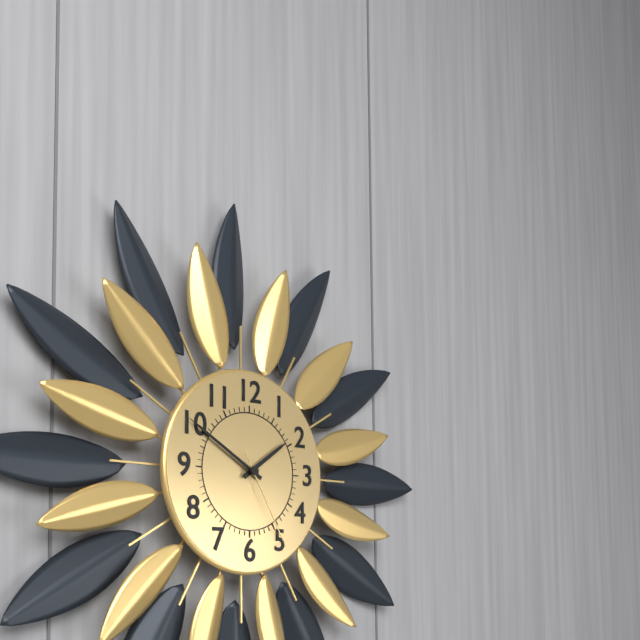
1 h 50 min 25 s
